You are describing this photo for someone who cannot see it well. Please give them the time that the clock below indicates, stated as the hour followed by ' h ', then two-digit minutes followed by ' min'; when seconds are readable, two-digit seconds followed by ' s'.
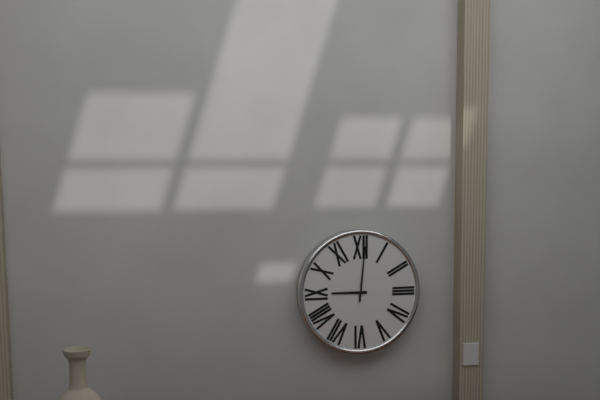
9 h 01 min
